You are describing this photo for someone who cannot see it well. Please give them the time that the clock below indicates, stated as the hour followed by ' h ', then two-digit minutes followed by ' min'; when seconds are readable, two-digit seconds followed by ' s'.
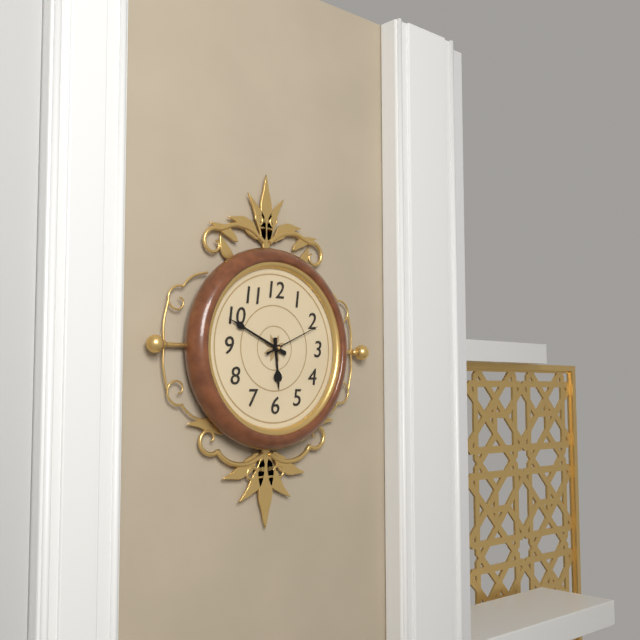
5 h 49 min 11 s
